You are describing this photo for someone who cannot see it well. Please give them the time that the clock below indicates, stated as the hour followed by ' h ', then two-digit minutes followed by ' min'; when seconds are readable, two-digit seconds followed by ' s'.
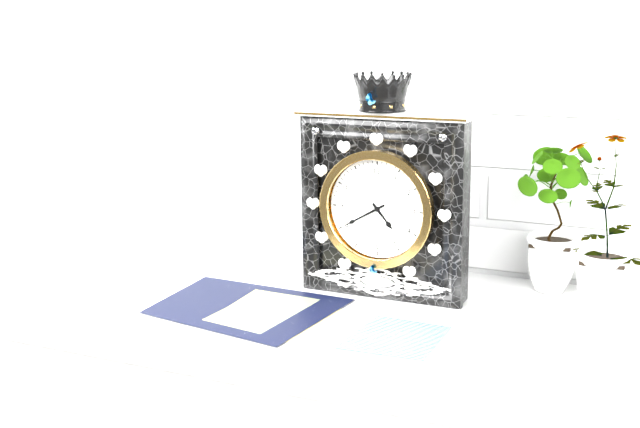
4 h 40 min
